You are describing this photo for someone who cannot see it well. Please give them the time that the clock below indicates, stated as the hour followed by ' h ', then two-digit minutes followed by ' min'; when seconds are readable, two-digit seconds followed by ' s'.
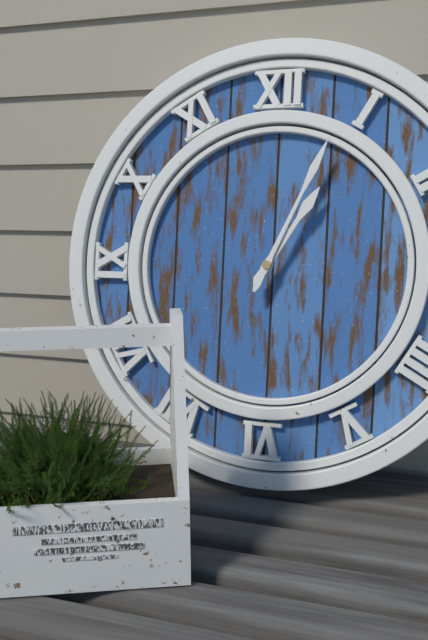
1 h 04 min
